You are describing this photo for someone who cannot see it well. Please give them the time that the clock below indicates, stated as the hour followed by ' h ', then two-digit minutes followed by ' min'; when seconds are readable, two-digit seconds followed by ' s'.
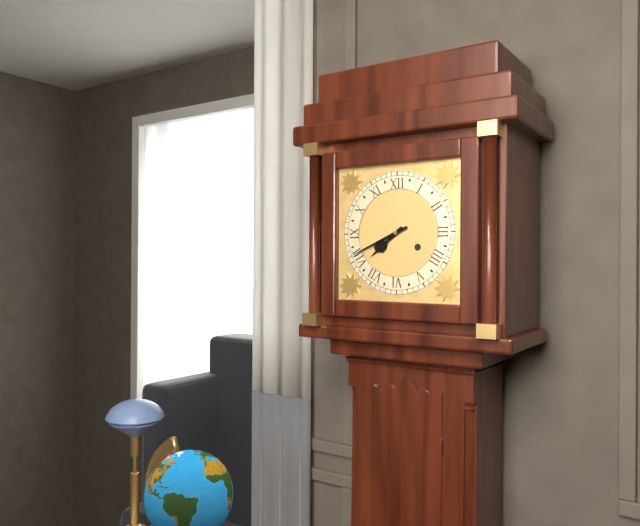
7 h 41 min
